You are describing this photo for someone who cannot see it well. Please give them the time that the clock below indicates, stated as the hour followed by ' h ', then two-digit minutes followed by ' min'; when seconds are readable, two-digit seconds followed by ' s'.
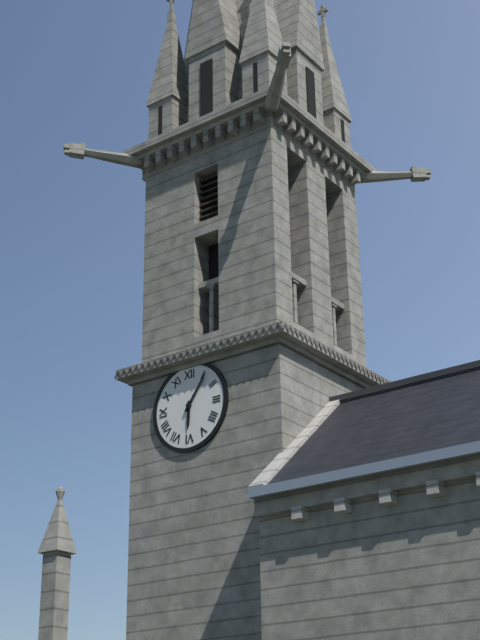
6 h 06 min
